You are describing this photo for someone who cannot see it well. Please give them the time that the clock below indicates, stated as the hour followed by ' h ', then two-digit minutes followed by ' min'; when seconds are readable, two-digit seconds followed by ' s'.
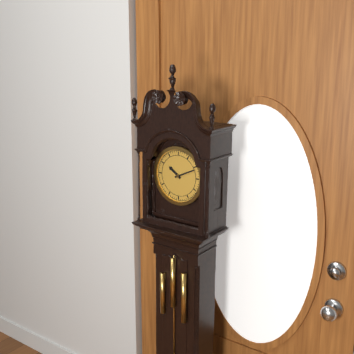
10 h 11 min
